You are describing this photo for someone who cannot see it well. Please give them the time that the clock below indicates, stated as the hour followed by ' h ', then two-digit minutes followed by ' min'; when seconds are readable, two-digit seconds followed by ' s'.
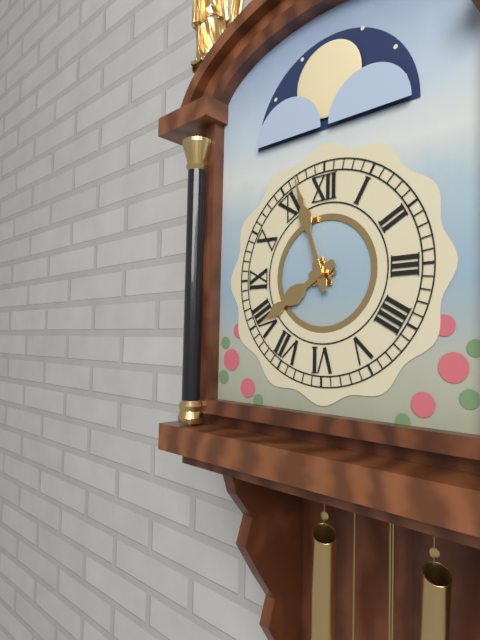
7 h 57 min
